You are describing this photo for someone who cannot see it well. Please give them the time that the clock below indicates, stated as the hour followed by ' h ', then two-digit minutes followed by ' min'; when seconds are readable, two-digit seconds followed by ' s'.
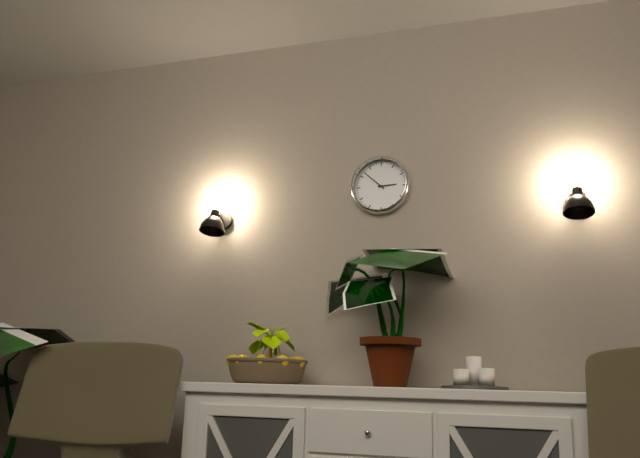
2 h 52 min
